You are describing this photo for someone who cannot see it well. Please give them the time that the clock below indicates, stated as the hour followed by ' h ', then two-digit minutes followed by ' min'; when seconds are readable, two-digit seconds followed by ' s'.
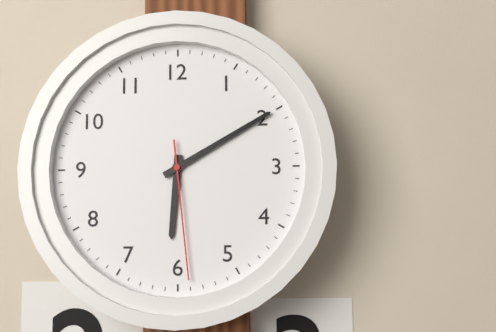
6 h 10 min 29 s
